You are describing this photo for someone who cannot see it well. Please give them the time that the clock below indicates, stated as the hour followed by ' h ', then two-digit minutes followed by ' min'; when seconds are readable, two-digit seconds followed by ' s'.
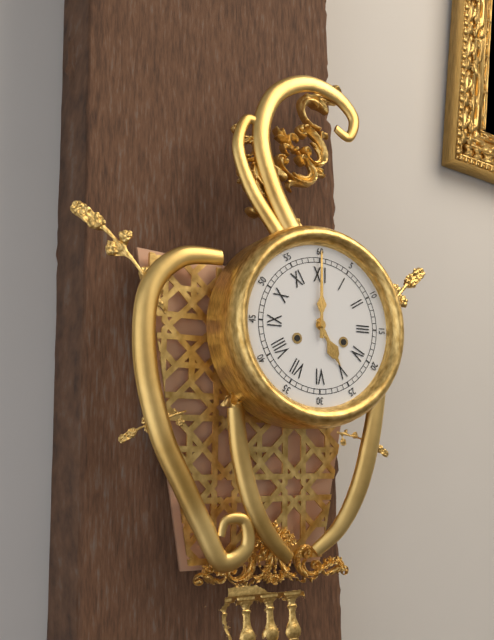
5 h 00 min
